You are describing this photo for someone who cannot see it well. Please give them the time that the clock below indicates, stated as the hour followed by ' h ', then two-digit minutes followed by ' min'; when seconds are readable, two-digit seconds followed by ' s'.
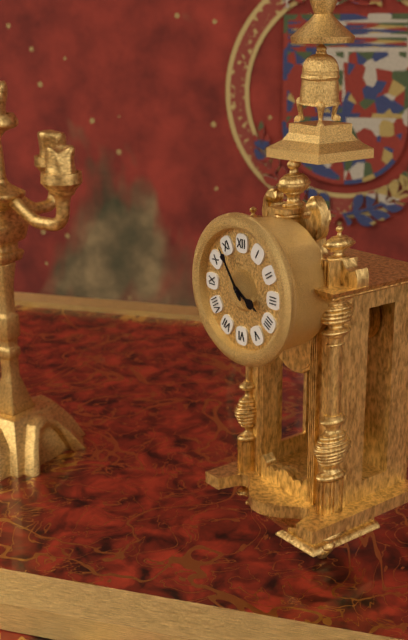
3 h 54 min
